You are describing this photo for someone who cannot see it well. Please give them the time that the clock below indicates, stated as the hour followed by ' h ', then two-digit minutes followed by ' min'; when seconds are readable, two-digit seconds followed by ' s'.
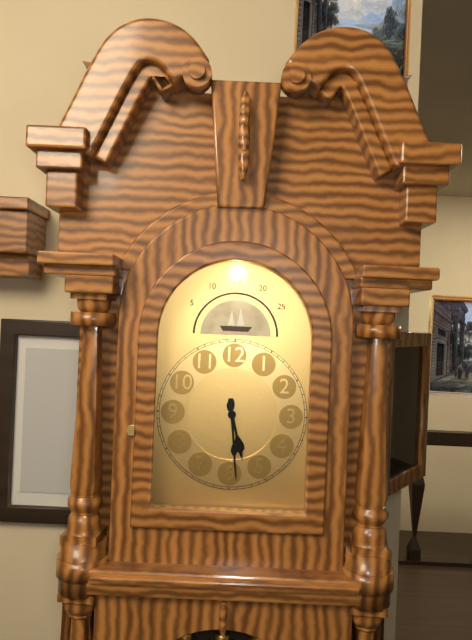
5 h 29 min
